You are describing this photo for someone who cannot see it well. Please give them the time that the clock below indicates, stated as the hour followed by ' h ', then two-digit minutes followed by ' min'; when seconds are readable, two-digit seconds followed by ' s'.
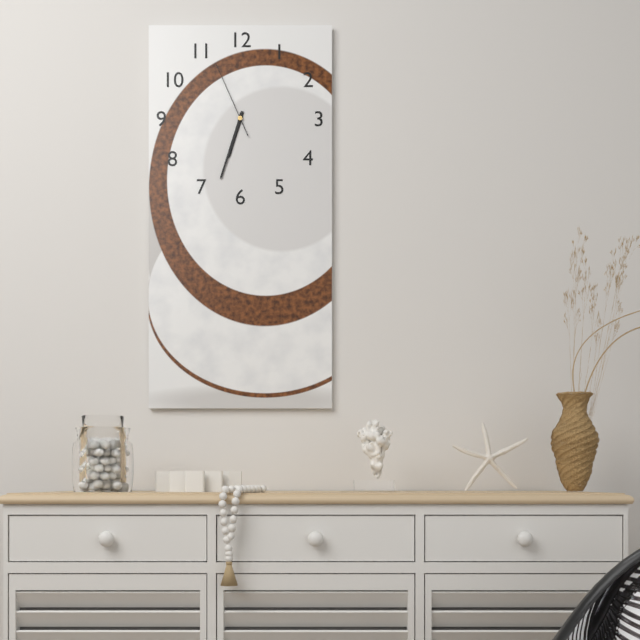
6 h 33 min 56 s
